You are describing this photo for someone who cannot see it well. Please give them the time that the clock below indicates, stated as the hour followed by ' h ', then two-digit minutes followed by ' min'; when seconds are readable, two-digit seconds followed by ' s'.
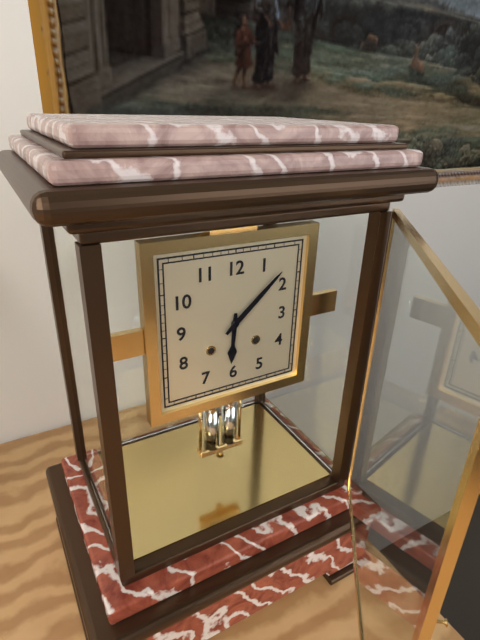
6 h 08 min
